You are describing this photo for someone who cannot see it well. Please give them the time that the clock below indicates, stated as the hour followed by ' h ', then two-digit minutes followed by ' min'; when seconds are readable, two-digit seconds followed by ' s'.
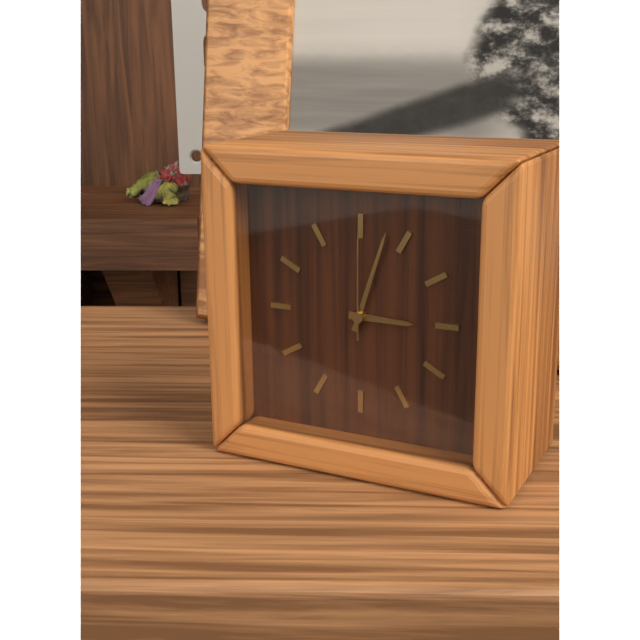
3 h 03 min 00 s
